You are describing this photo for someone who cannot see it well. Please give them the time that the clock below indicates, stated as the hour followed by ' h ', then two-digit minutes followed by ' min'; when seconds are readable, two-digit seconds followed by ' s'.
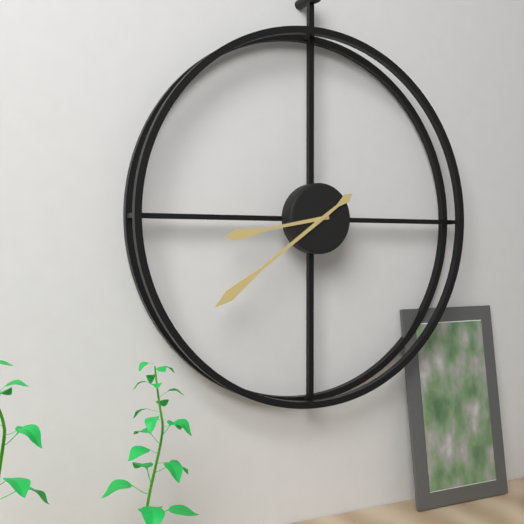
8 h 39 min
